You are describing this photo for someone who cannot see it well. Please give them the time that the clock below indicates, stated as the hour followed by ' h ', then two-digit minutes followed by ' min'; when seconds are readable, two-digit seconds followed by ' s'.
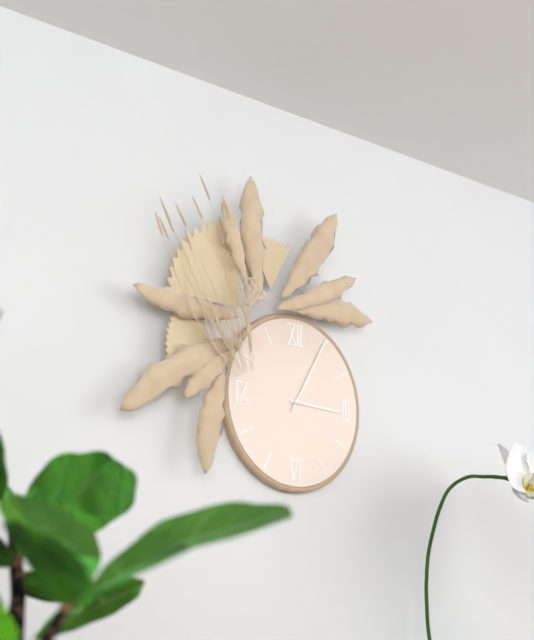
3 h 05 min
